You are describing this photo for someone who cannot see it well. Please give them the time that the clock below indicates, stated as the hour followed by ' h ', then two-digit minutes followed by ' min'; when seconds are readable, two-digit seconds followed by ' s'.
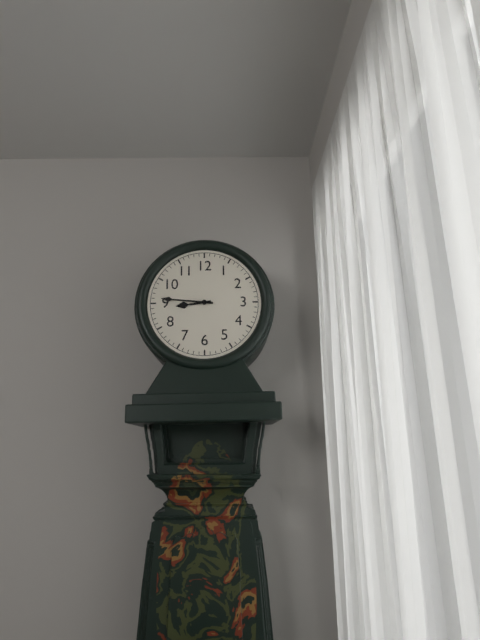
8 h 46 min
